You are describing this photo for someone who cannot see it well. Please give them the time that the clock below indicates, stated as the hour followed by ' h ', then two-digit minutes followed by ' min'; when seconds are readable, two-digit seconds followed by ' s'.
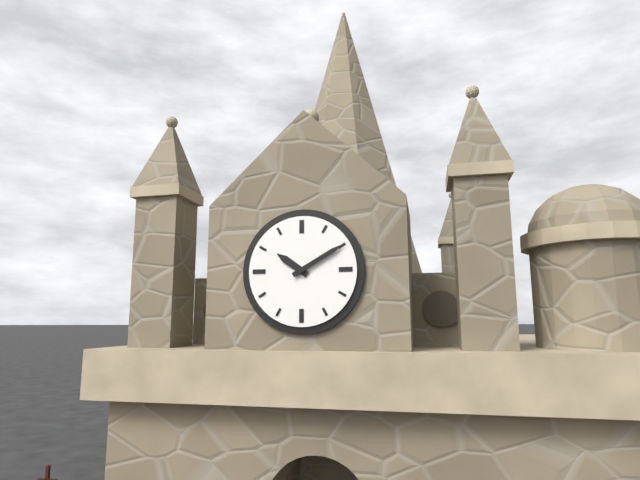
10 h 10 min
